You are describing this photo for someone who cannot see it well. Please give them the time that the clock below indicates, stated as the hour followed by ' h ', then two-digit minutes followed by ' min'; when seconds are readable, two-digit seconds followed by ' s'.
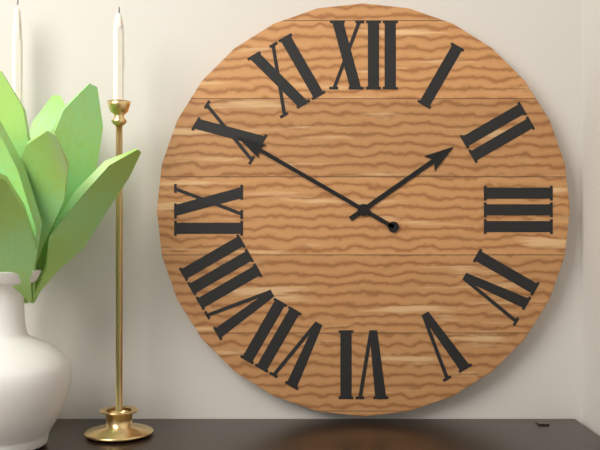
1 h 50 min
